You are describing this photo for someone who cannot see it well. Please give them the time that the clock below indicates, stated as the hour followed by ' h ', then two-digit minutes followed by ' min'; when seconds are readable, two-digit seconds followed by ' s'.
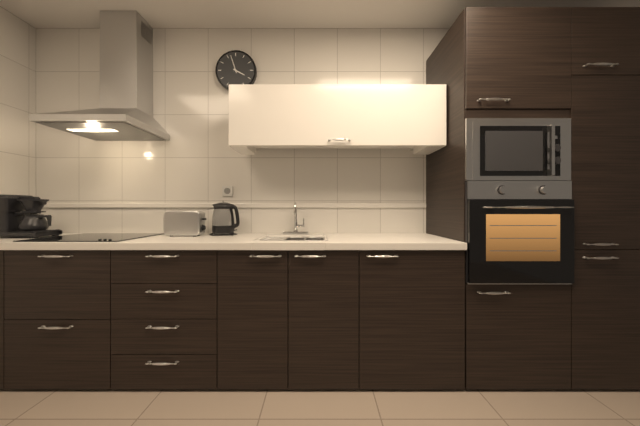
3 h 57 min
